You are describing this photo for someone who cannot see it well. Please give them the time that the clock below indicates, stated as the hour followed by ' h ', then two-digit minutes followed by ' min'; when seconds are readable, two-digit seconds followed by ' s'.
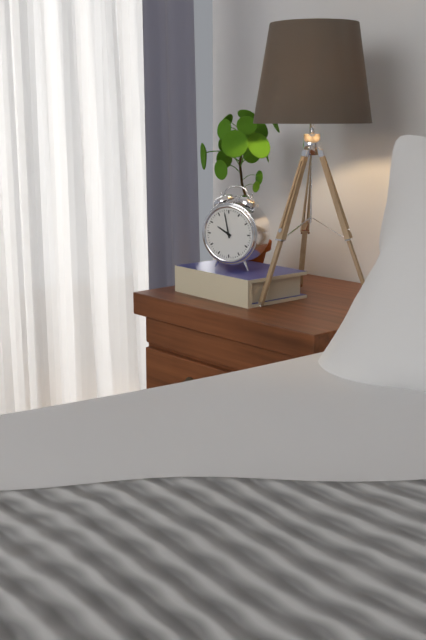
9 h 58 min
